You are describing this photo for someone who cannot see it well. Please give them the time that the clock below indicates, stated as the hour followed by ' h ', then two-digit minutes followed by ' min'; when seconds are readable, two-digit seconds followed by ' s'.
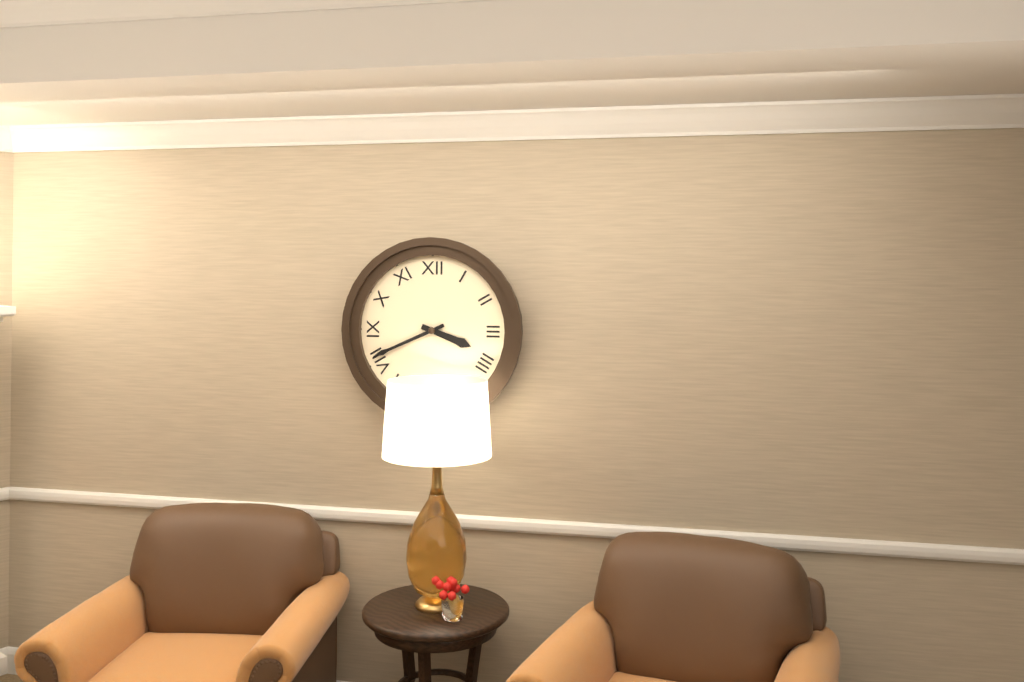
3 h 41 min
